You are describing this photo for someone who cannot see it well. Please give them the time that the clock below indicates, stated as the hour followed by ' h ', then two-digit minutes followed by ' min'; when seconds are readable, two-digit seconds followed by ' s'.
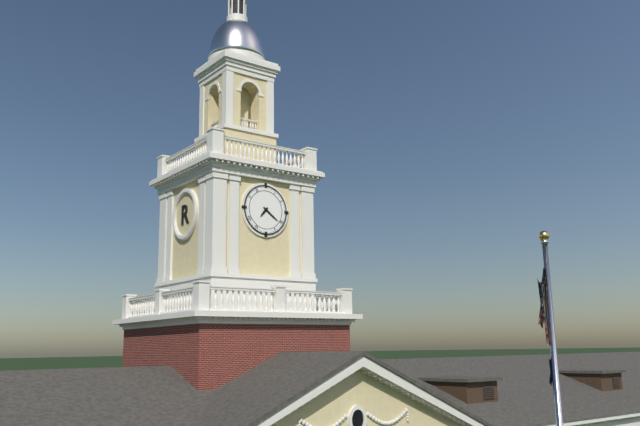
7 h 21 min
